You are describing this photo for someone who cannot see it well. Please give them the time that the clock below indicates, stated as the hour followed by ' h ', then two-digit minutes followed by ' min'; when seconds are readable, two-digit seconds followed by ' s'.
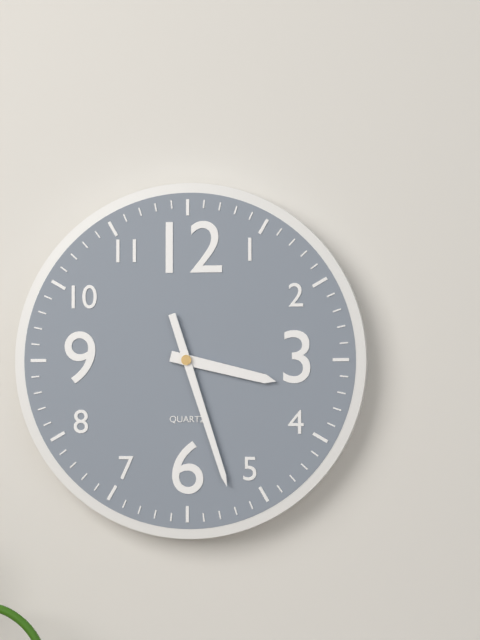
3 h 27 min
